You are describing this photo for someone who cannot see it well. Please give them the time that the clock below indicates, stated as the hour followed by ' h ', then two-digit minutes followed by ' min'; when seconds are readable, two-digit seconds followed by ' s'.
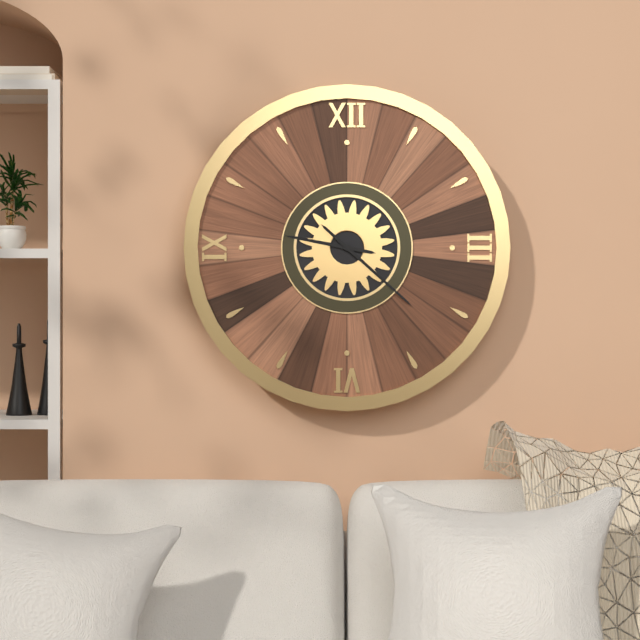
9 h 22 min
